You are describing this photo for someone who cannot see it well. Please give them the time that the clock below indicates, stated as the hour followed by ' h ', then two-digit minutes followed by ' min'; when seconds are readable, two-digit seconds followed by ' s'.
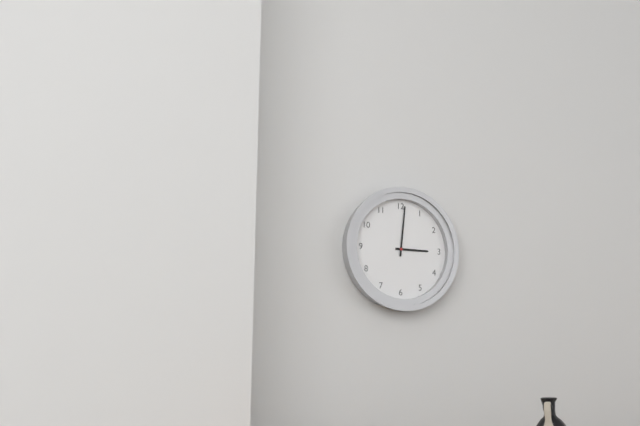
3 h 01 min
